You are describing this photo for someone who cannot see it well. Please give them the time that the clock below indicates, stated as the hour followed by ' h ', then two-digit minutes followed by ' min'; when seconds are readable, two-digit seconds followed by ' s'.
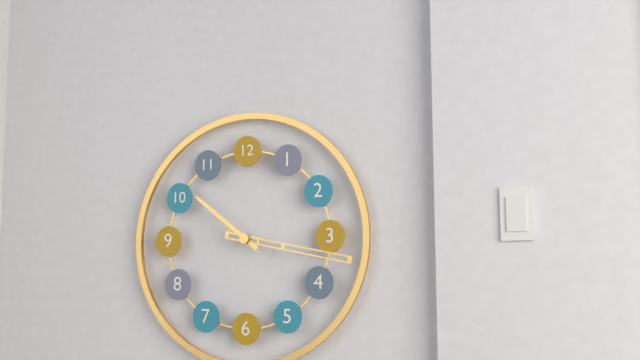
10 h 17 min
